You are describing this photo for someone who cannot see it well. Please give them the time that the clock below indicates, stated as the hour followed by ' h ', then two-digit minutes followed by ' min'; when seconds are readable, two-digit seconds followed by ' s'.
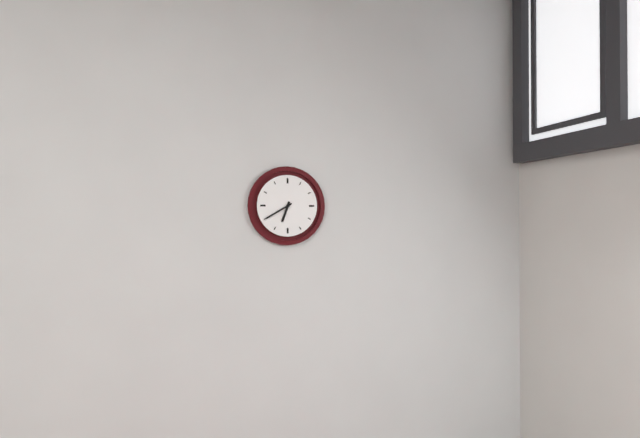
6 h 40 min
